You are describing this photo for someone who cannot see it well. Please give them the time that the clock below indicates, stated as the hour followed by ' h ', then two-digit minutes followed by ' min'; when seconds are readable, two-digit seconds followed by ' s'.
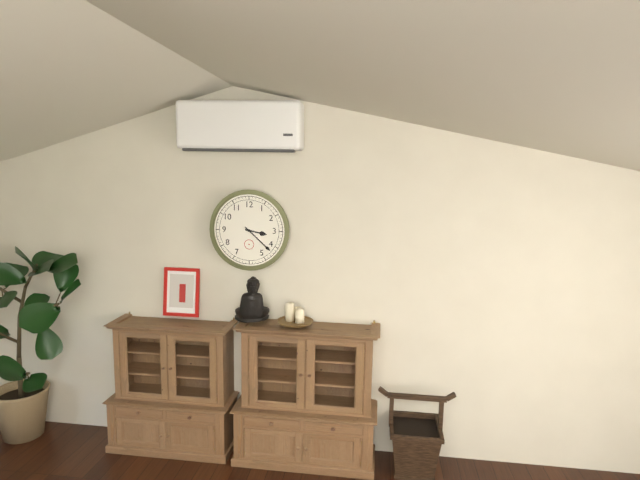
3 h 22 min
